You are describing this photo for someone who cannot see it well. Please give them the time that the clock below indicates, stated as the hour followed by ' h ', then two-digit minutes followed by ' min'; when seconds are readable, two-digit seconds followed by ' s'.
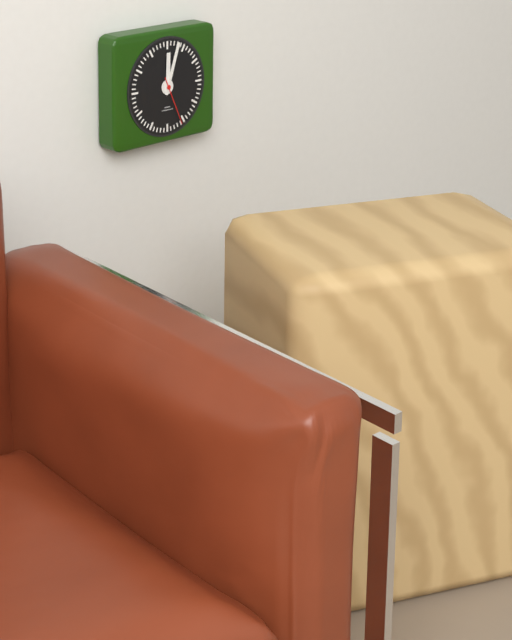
12 h 03 min
